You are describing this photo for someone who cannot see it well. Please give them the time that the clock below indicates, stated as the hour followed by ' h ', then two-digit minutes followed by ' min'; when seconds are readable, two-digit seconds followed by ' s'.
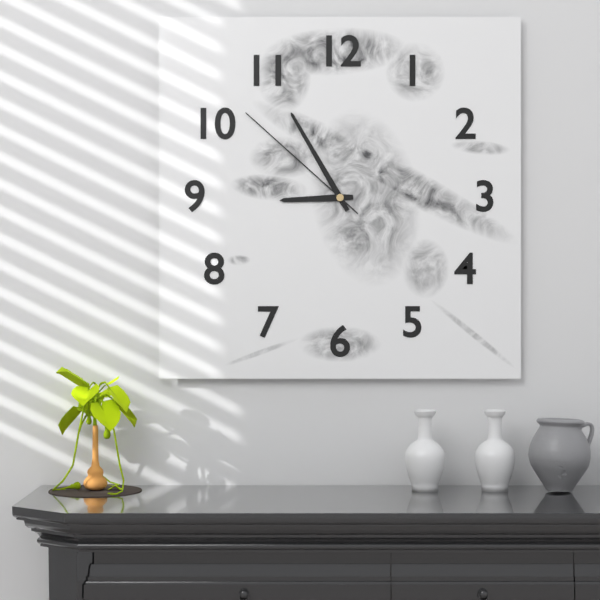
8 h 55 min 52 s
